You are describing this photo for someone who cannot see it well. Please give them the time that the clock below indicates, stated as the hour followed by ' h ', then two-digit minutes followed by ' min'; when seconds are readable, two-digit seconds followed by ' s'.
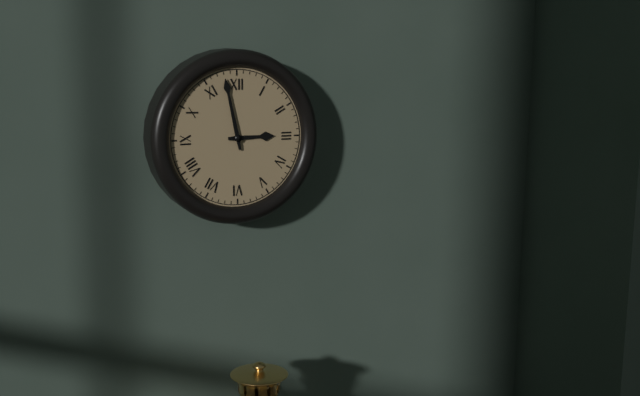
2 h 58 min
